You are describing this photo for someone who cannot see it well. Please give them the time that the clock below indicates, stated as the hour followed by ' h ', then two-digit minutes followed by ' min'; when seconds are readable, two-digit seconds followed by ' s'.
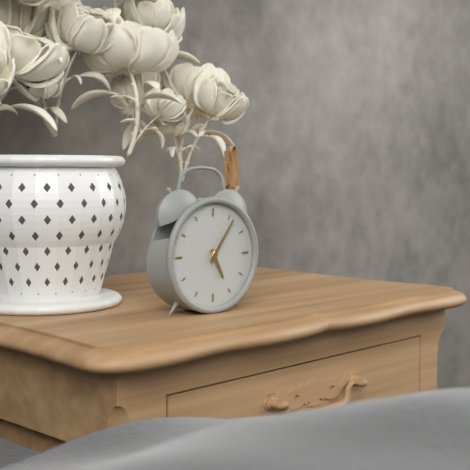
5 h 06 min
